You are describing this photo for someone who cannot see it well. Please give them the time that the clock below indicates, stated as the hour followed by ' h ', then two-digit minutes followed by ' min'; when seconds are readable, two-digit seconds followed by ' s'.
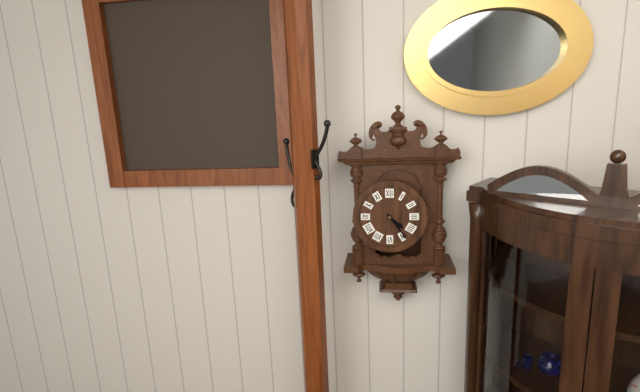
4 h 24 min
